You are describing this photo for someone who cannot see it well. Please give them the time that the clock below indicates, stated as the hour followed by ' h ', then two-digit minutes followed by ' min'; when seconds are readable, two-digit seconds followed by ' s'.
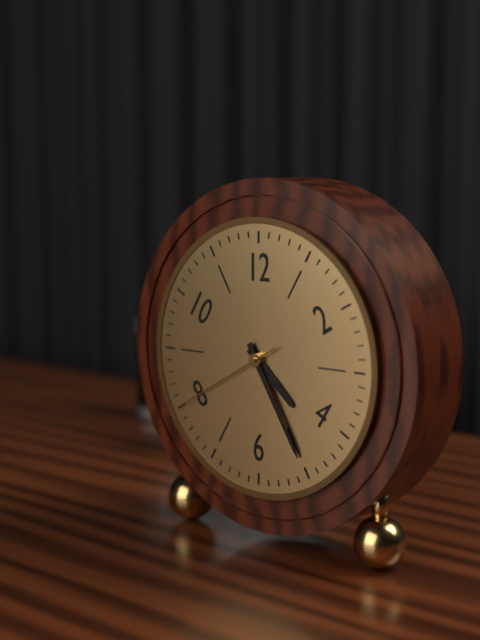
4 h 25 min 40 s
